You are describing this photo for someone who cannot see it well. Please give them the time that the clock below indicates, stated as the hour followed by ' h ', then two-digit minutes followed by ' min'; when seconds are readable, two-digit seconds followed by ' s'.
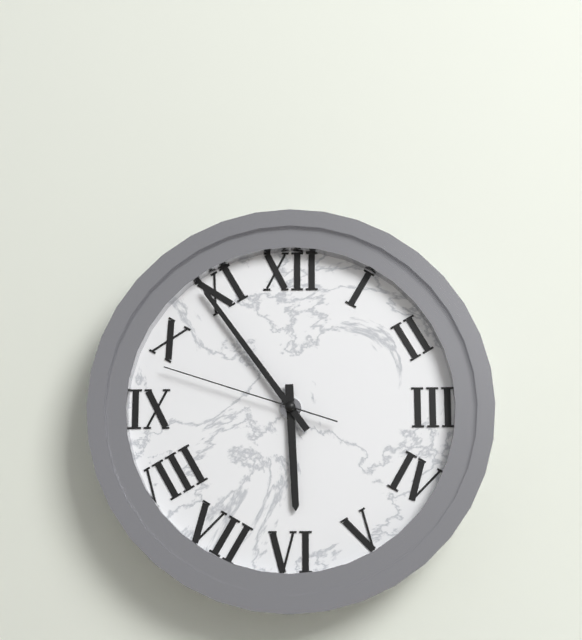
5 h 54 min 48 s
